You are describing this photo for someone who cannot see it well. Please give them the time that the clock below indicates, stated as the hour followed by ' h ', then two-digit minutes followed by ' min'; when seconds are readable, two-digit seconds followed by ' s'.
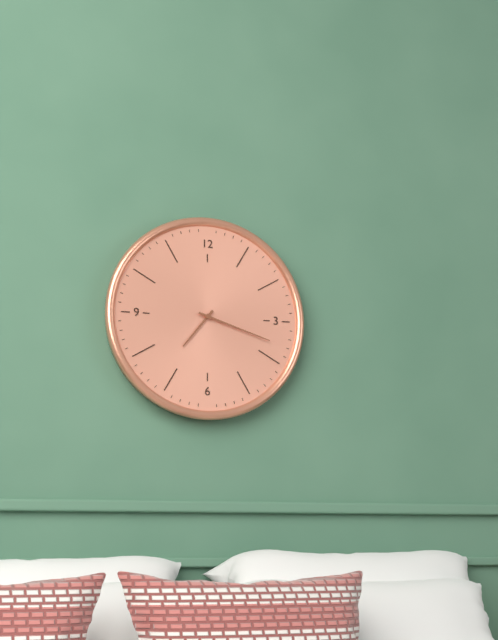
7 h 18 min
